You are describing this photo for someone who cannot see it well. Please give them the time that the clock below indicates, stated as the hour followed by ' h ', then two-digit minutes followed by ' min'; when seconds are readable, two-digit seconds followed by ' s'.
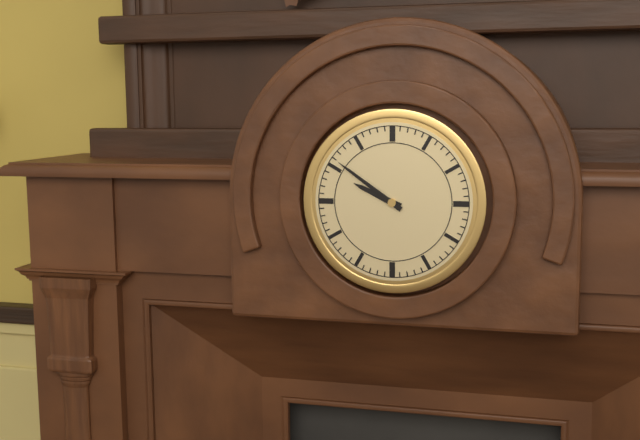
9 h 51 min
